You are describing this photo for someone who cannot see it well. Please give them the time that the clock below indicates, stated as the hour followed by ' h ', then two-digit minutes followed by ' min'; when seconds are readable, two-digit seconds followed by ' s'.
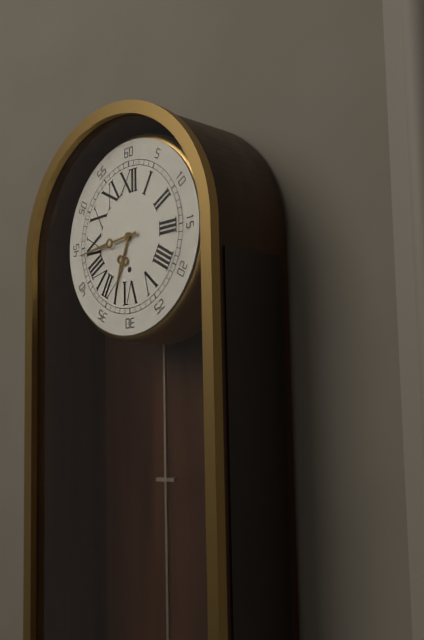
6 h 44 min
